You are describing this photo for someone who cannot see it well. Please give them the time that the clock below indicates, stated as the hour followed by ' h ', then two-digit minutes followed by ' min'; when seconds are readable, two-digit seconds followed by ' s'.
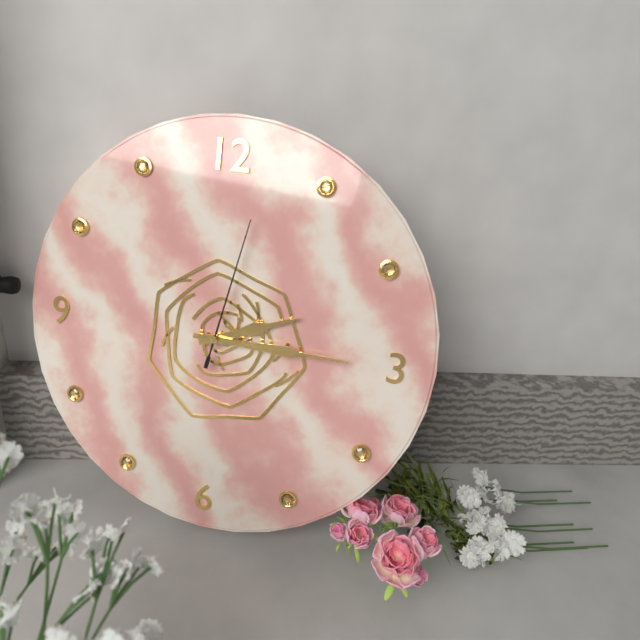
2 h 15 min 02 s
